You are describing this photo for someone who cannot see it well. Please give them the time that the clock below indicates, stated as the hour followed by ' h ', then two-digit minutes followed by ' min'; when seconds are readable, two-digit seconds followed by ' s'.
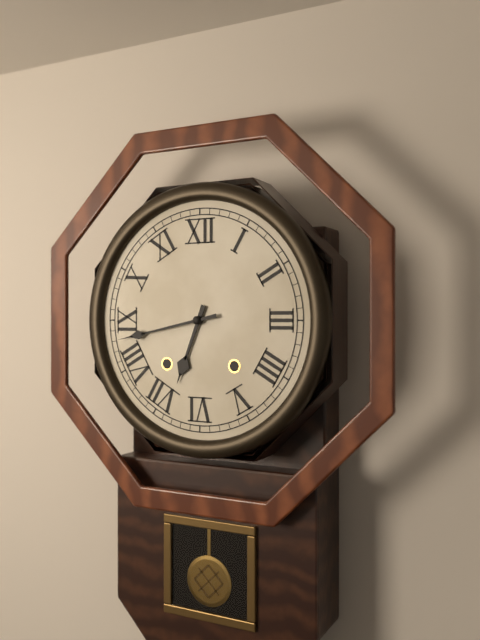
6 h 43 min
